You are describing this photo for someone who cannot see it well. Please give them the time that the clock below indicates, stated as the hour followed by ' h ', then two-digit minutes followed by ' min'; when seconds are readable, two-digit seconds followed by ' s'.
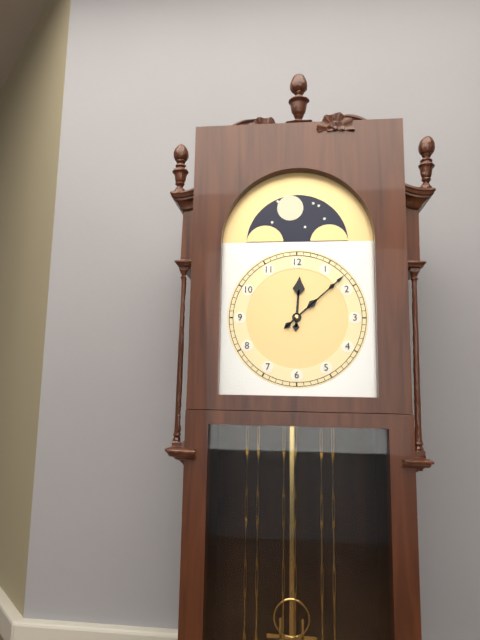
12 h 08 min
